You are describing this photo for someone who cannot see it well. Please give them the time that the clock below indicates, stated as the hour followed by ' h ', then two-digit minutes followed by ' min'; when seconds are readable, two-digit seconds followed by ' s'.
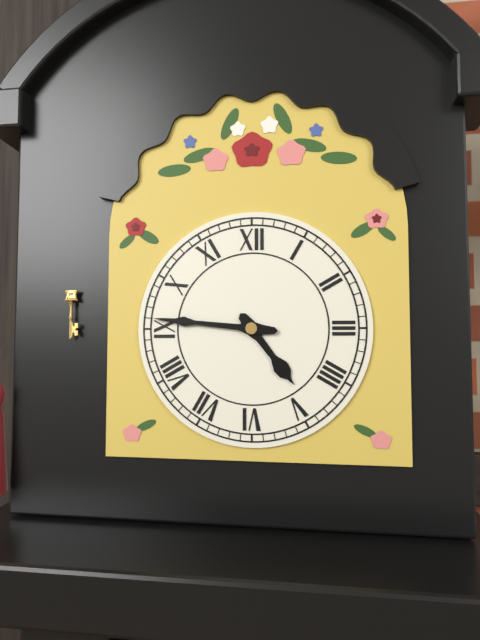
4 h 46 min
